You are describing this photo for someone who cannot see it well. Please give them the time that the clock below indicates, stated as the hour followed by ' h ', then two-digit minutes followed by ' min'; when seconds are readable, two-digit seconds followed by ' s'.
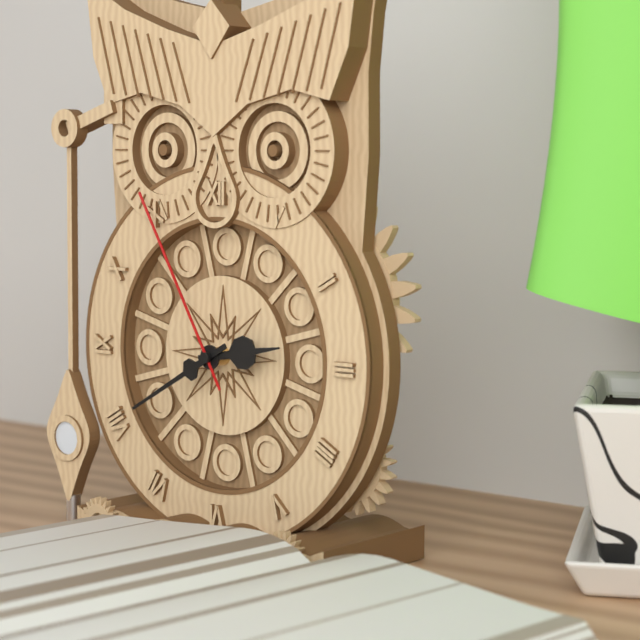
2 h 40 min 55 s
